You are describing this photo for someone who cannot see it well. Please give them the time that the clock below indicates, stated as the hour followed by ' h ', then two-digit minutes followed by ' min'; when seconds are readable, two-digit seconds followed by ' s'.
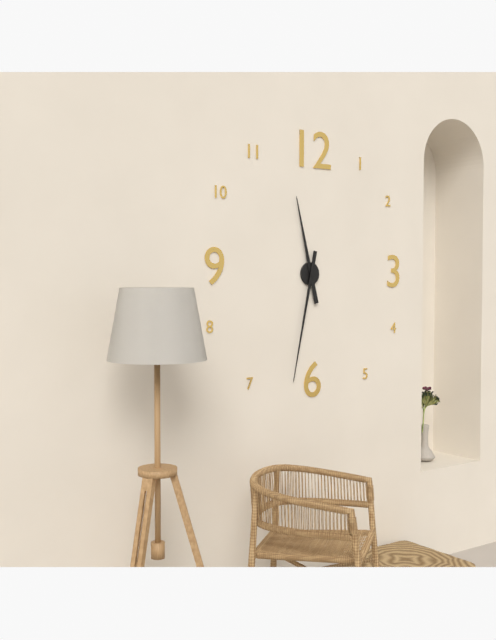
11 h 32 min
